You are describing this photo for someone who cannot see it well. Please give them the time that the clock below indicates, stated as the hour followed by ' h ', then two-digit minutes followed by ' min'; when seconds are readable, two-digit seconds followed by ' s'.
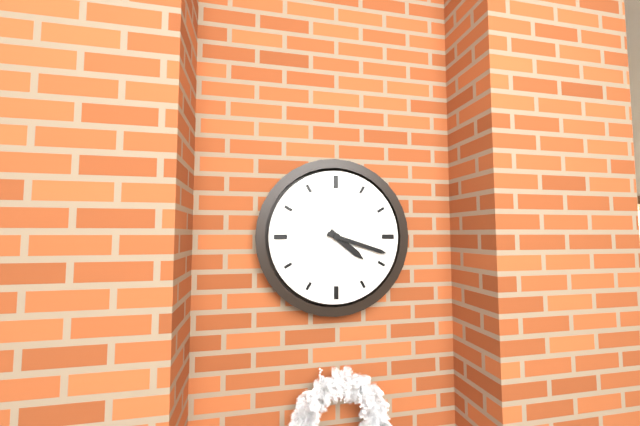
4 h 18 min
